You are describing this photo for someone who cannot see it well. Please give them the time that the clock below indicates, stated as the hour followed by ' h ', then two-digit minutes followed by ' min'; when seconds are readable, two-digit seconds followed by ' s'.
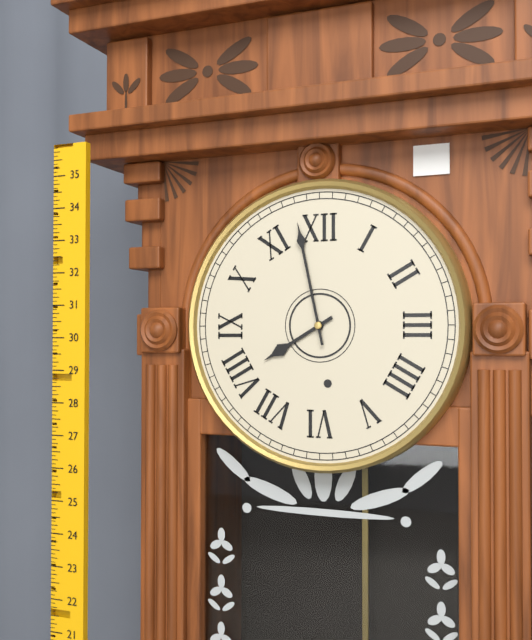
7 h 58 min
